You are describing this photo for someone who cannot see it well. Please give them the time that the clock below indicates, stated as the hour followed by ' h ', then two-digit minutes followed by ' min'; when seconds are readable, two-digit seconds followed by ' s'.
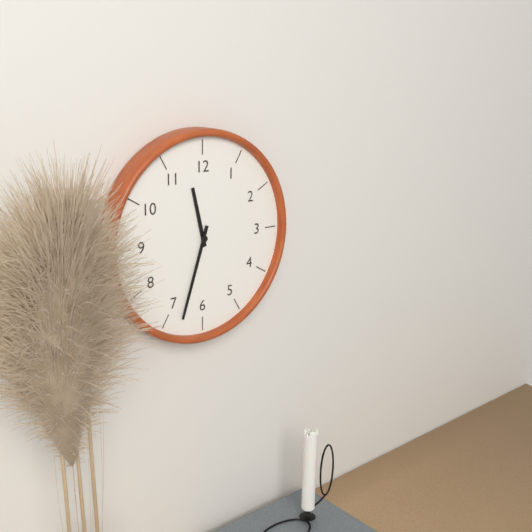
11 h 33 min
